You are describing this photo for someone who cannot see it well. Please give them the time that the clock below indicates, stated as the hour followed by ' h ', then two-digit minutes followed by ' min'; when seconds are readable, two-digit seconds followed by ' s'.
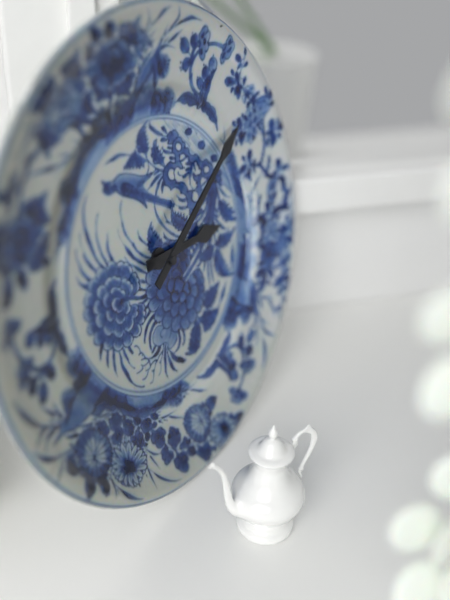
3 h 10 min
